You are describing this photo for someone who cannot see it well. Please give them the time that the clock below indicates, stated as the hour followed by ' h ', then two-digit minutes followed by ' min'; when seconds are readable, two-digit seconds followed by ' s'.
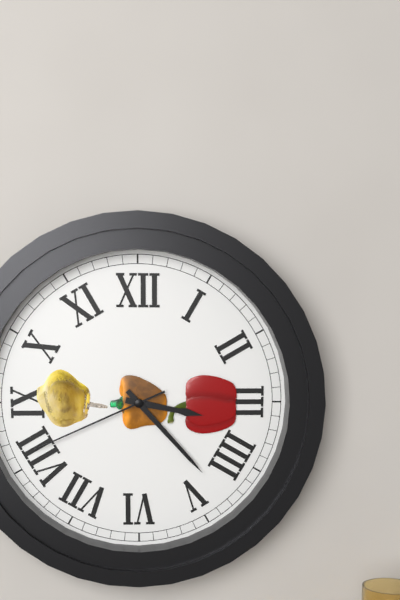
3 h 23 min 41 s
